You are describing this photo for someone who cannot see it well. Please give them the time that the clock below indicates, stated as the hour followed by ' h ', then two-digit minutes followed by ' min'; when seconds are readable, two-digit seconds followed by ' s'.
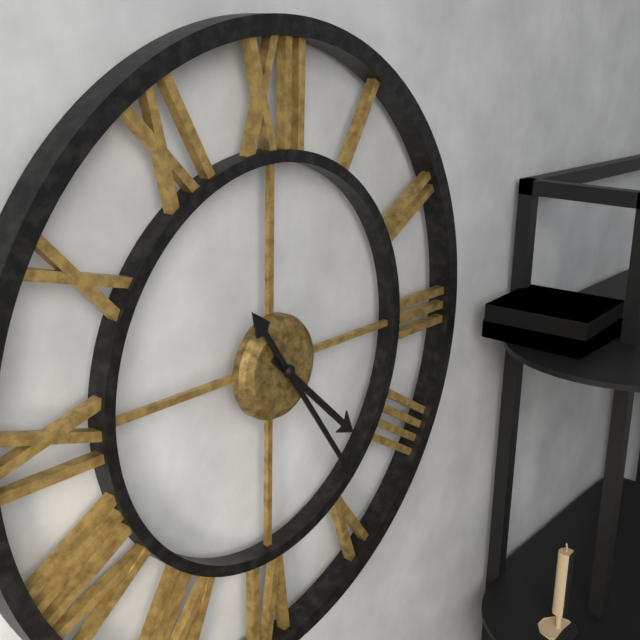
4 h 24 min
